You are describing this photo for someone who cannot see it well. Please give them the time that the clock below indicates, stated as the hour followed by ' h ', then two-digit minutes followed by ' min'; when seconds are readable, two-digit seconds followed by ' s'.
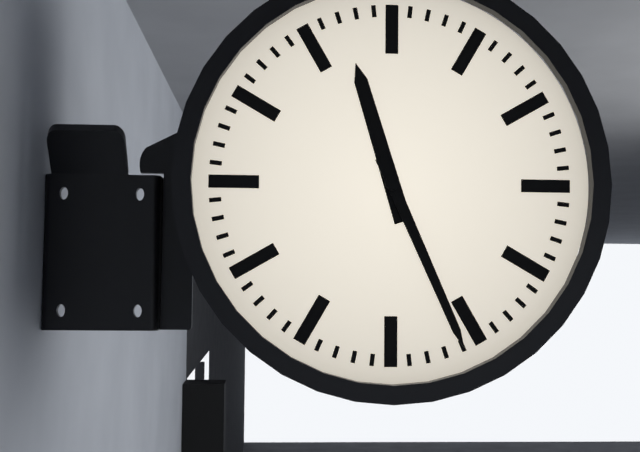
11 h 26 min
